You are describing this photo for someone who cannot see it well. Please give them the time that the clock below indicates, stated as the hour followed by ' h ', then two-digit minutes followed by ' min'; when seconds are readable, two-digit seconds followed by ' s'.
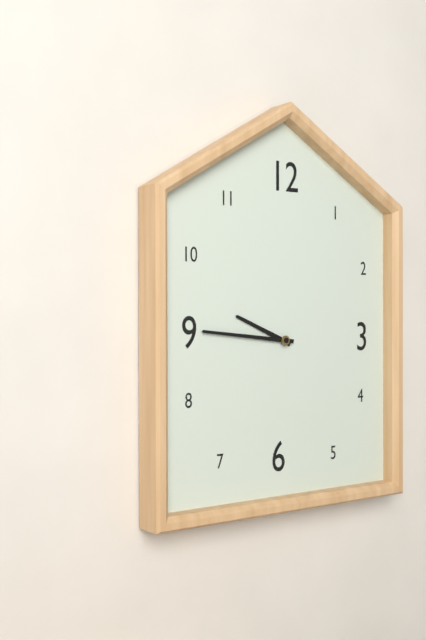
9 h 46 min
